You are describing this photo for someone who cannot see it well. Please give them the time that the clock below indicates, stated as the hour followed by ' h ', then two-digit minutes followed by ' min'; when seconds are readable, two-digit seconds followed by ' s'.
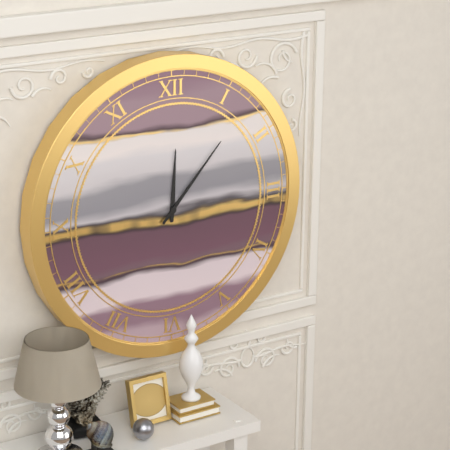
12 h 07 min
